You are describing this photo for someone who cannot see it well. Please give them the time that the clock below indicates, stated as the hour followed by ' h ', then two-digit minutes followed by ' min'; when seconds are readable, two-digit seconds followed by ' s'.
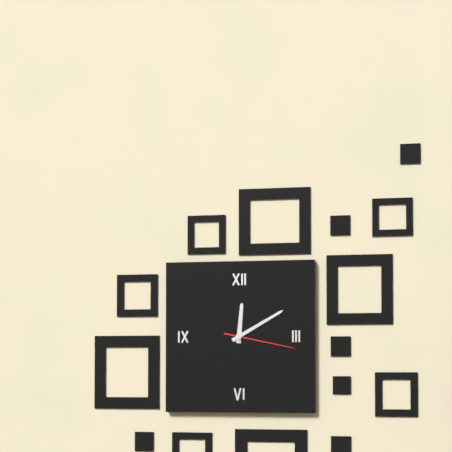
12 h 10 min 17 s
